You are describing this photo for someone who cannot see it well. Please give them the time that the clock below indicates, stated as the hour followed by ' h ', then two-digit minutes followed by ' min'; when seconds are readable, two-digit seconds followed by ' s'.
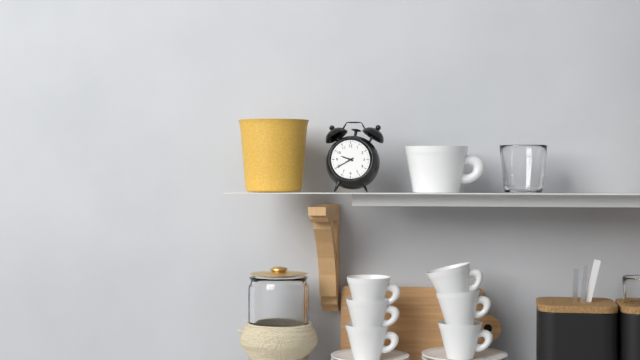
9 h 40 min
